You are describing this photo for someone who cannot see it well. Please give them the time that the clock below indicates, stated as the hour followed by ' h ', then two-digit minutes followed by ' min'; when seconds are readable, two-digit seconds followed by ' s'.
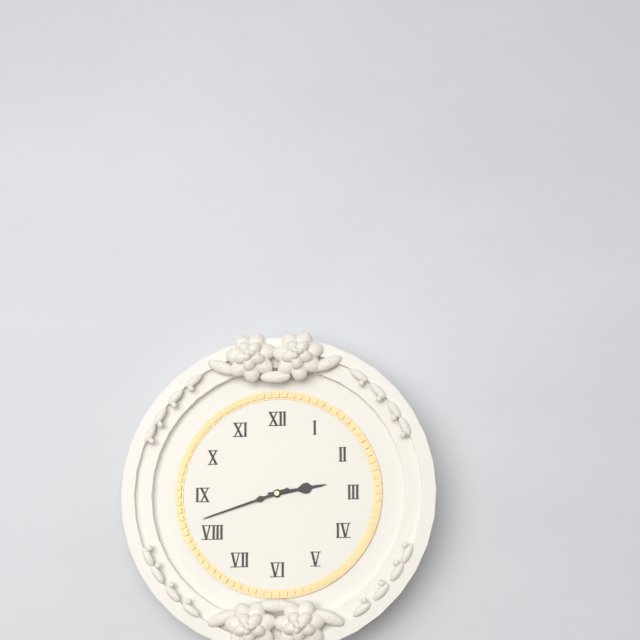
2 h 42 min
